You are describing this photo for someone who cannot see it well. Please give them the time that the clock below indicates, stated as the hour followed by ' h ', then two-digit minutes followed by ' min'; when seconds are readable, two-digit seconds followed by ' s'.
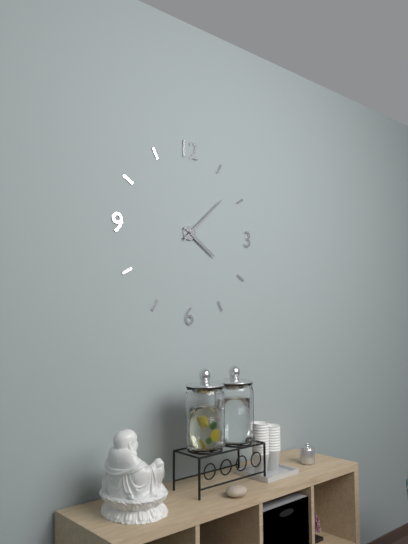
4 h 08 min
